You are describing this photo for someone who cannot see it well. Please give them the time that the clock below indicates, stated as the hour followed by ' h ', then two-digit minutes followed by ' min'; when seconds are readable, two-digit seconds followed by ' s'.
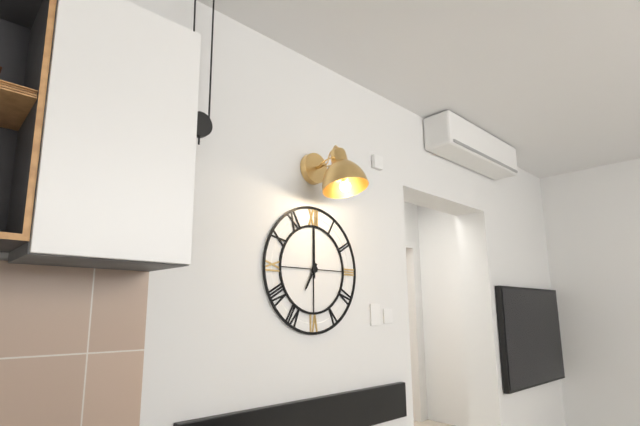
7 h 00 min
